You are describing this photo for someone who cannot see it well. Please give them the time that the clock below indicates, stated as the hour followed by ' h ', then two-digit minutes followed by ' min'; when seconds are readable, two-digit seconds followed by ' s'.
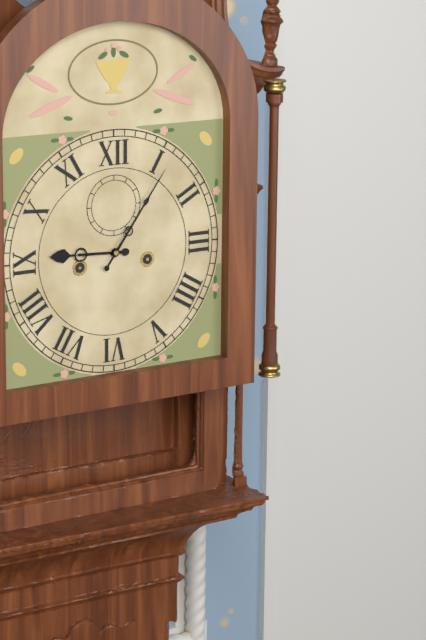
9 h 06 min
